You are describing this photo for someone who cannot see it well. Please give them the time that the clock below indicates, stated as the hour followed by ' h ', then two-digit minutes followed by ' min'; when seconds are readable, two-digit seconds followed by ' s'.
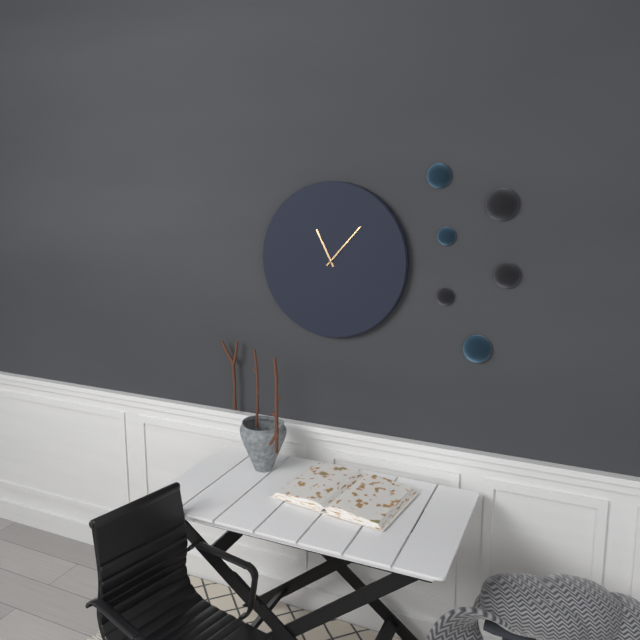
11 h 07 min
